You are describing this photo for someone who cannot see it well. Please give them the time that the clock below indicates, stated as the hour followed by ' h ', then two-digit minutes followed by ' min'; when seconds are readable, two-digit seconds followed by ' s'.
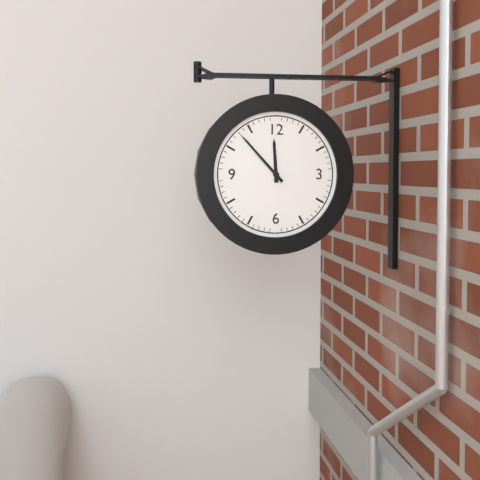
11 h 53 min
